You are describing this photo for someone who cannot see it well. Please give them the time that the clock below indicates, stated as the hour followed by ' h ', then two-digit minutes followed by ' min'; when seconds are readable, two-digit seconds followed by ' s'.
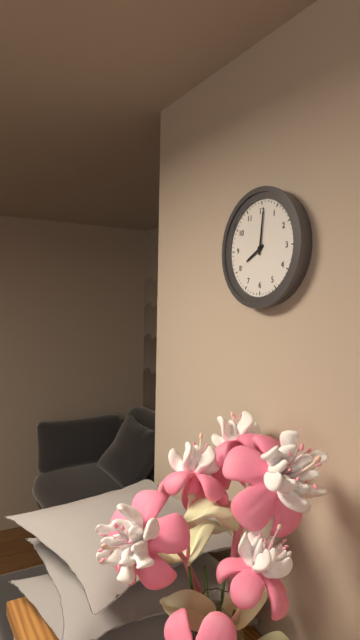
8 h 01 min
